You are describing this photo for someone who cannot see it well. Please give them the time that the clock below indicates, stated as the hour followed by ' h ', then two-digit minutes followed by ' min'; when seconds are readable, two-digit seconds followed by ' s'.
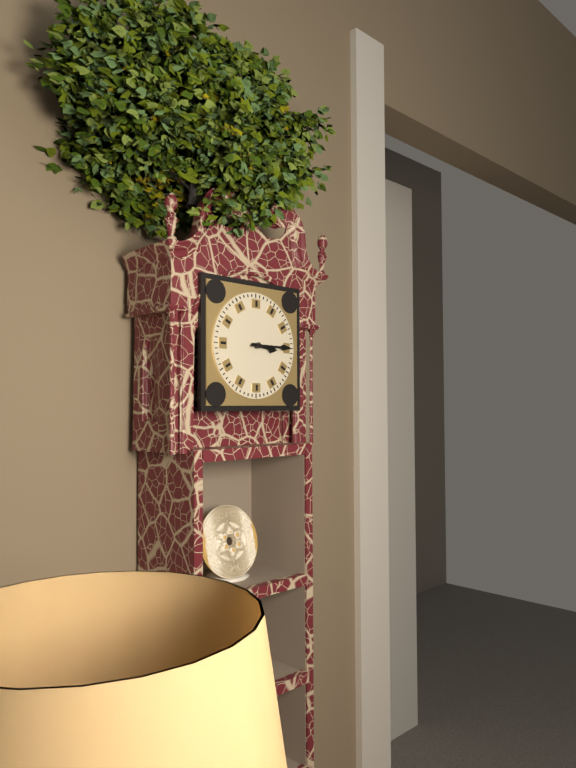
3 h 15 min
